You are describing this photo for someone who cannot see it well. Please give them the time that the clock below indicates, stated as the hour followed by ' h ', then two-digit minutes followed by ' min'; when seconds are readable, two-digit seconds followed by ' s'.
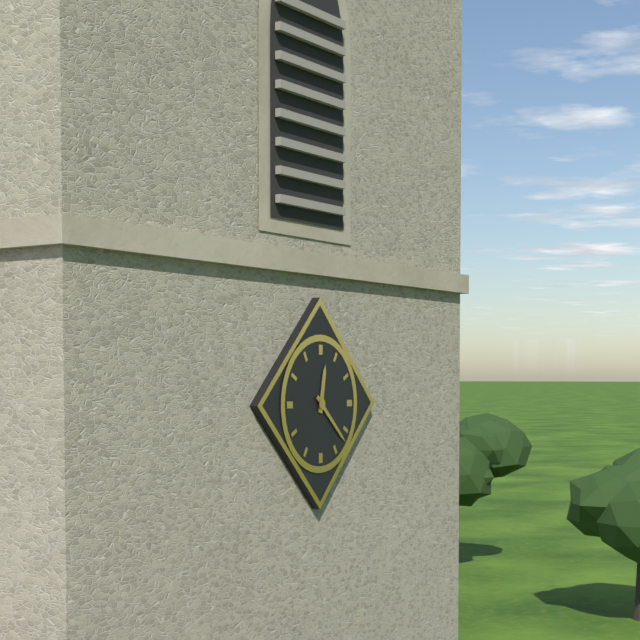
12 h 22 min
